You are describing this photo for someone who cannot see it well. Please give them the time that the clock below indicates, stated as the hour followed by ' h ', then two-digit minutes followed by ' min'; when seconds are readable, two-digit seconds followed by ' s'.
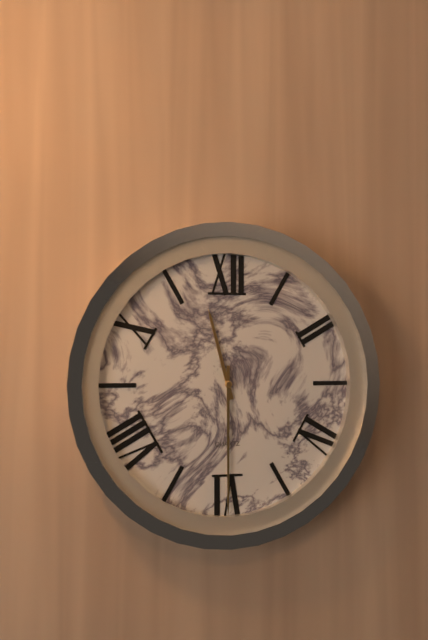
11 h 30 min
